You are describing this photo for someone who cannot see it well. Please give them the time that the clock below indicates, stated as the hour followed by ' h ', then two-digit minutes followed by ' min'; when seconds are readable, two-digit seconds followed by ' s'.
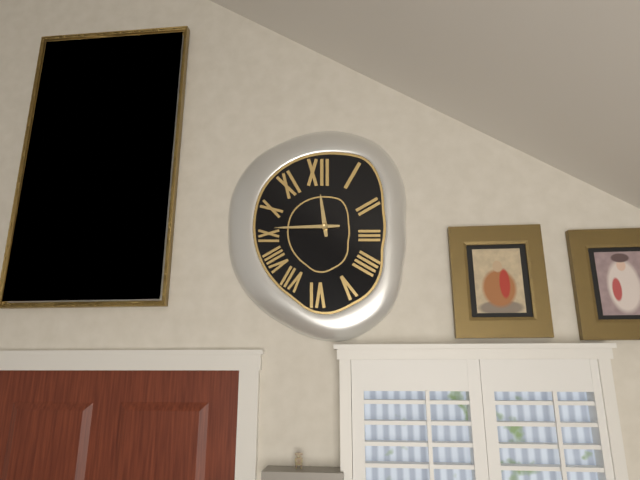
11 h 45 min
